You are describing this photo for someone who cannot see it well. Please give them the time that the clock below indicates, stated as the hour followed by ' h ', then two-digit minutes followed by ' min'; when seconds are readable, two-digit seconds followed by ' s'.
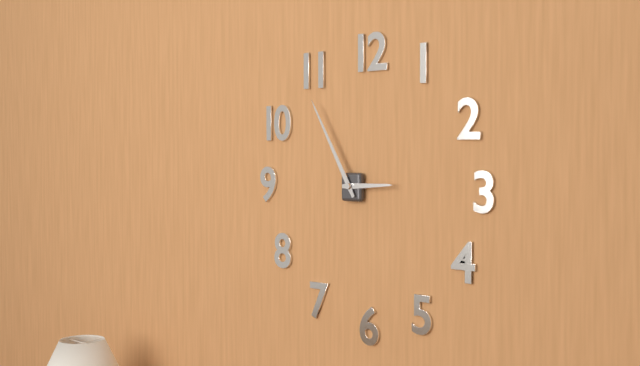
2 h 55 min
